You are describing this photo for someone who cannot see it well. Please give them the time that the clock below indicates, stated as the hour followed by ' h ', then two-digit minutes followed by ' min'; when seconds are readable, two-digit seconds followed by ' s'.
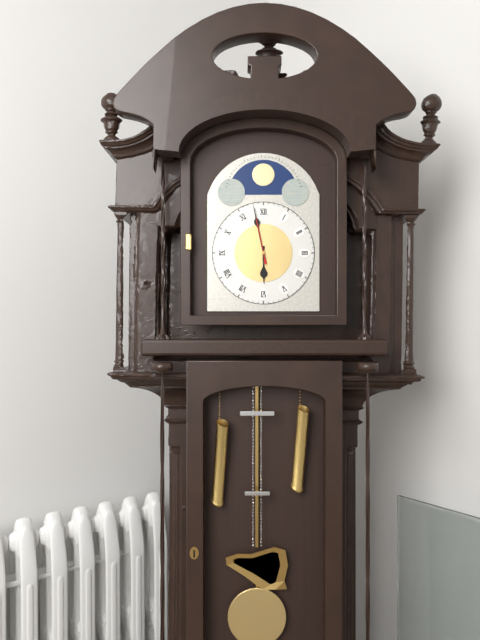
5 h 58 min
